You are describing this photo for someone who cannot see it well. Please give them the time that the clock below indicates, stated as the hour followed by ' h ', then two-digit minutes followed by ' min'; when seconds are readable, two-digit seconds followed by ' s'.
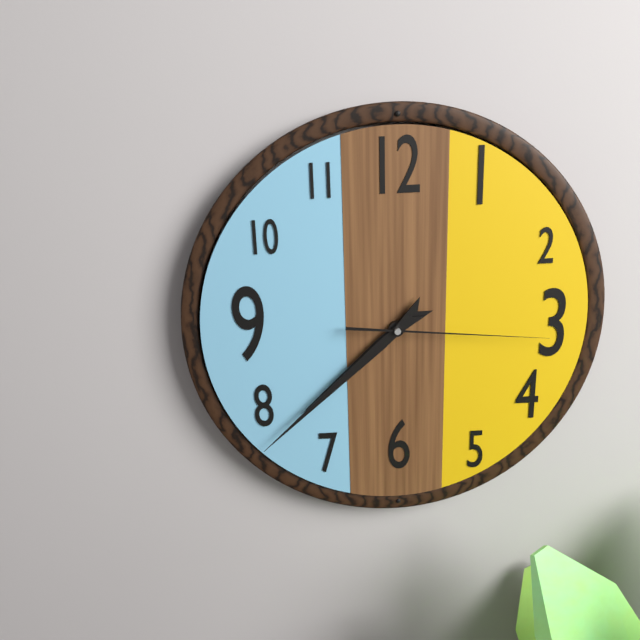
7 h 38 min 16 s
